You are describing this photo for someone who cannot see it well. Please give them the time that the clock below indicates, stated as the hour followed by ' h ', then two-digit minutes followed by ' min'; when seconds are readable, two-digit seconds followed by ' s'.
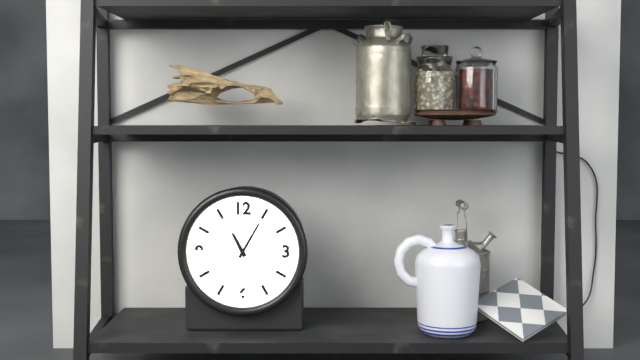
11 h 05 min
